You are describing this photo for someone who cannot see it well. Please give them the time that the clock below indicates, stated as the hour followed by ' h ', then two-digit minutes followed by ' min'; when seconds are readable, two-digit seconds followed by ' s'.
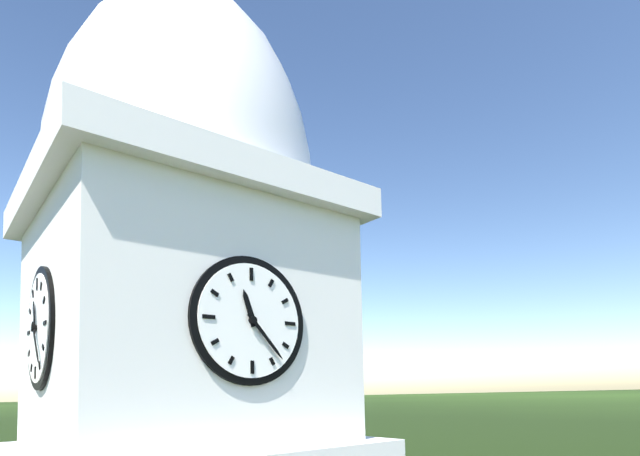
11 h 23 min
